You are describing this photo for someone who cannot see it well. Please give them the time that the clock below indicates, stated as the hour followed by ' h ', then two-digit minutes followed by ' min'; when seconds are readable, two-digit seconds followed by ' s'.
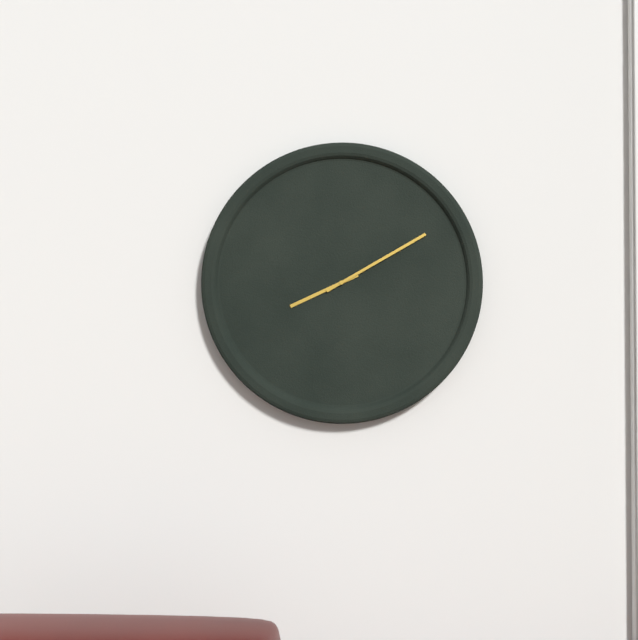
8 h 10 min
